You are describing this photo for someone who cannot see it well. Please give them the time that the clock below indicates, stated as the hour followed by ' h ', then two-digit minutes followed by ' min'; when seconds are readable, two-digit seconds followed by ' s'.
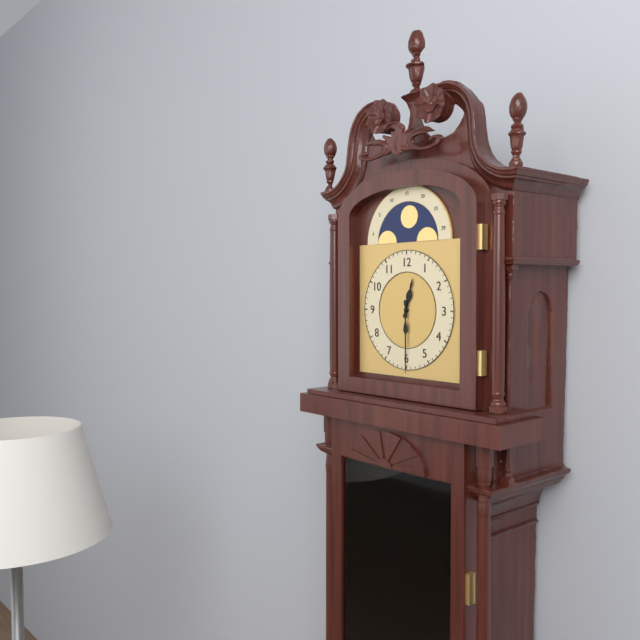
12 h 30 min
